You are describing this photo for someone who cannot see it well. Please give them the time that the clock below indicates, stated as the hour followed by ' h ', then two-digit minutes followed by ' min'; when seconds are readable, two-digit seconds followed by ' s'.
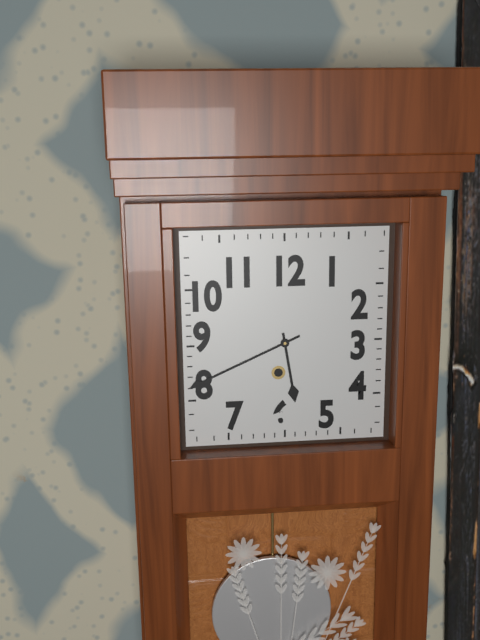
5 h 41 min
